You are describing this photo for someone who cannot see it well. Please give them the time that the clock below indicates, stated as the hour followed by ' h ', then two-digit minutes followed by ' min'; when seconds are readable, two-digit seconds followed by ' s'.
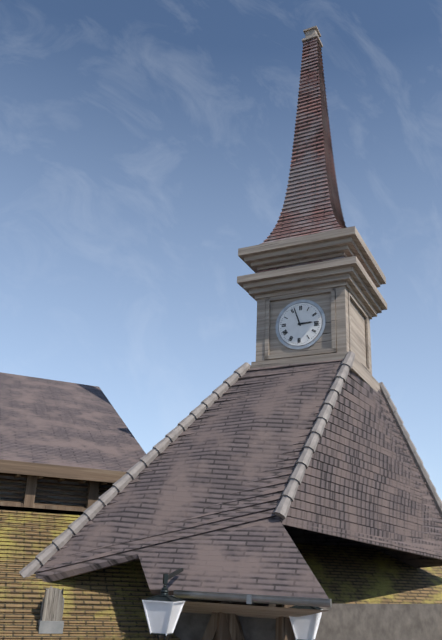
2 h 57 min
